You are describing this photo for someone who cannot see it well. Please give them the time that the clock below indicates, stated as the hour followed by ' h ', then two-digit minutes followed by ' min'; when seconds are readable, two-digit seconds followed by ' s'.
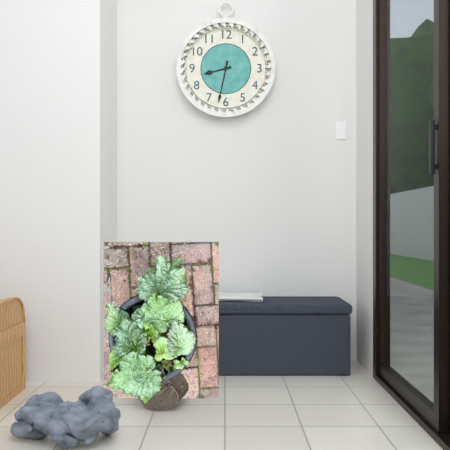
8 h 32 min
